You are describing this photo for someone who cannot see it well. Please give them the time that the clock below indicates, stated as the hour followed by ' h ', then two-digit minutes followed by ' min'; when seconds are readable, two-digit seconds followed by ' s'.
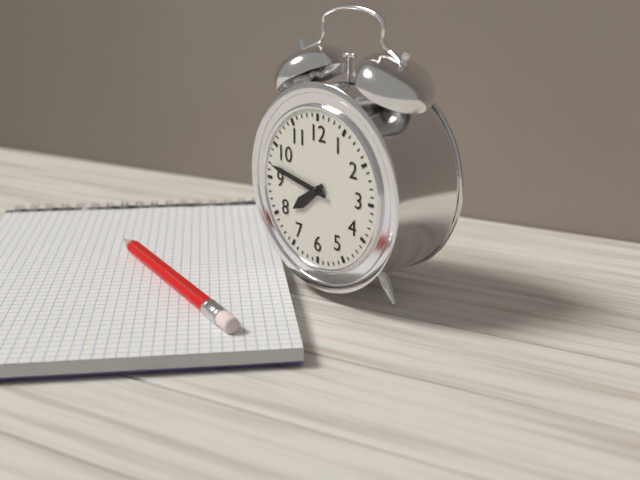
7 h 47 min
